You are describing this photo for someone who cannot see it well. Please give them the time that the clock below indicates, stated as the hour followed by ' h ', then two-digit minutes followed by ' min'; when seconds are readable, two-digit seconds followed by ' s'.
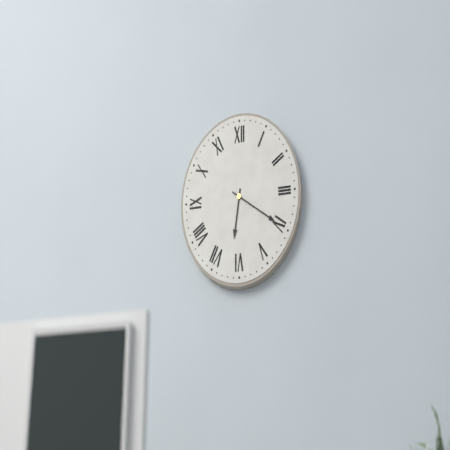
6 h 20 min
